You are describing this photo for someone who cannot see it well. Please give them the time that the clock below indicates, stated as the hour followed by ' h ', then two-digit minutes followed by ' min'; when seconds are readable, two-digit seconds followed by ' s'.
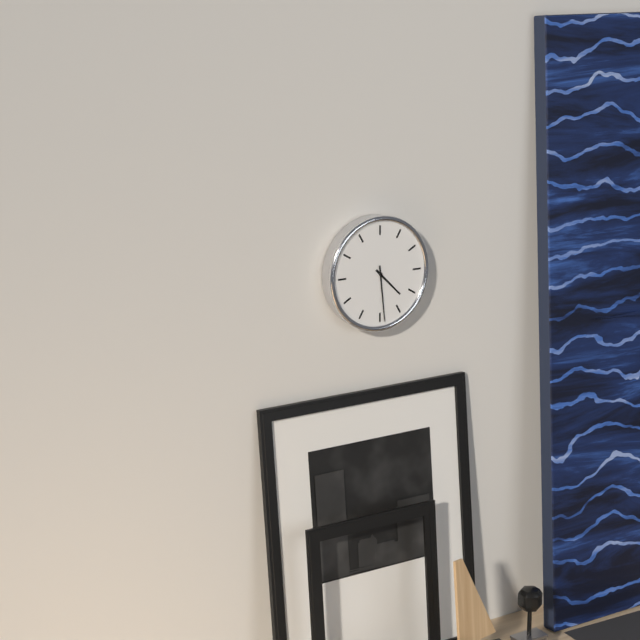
4 h 29 min
